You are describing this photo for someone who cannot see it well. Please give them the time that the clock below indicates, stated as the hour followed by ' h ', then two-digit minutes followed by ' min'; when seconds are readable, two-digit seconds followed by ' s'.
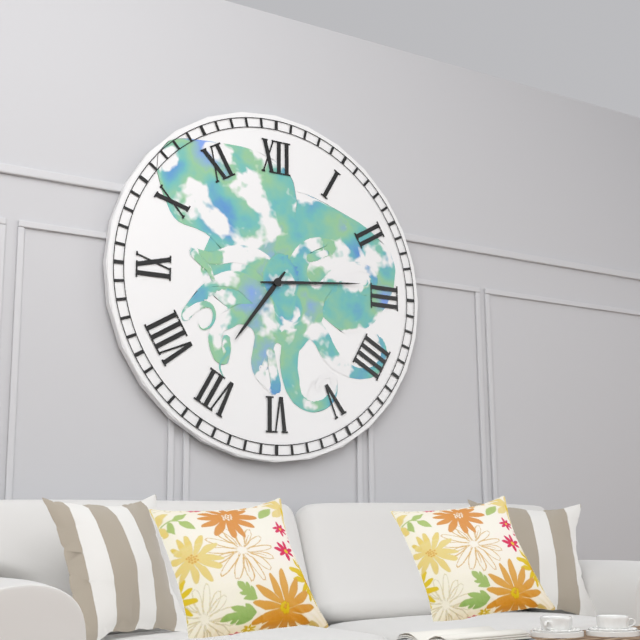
7 h 14 min
